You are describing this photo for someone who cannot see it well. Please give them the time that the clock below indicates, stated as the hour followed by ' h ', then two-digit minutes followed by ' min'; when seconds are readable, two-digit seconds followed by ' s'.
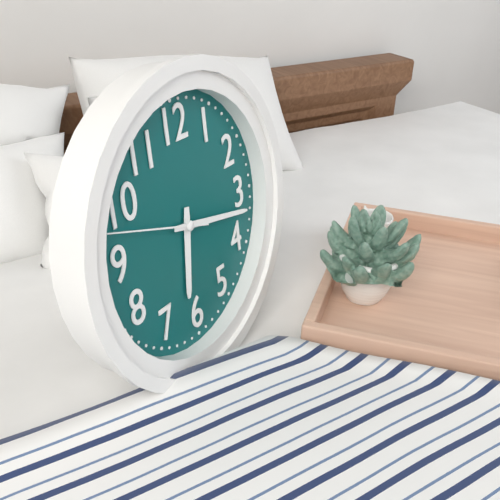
6 h 17 min 48 s
